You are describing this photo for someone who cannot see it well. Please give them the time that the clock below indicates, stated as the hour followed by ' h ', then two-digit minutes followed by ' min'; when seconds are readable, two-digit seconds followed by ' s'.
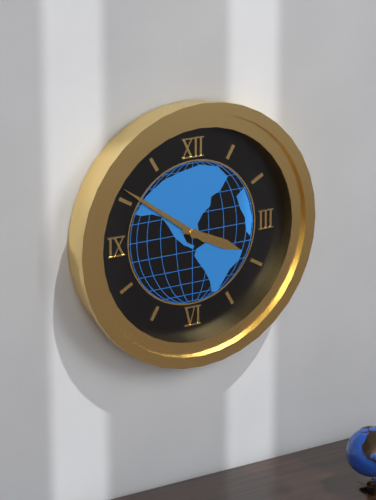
3 h 51 min
